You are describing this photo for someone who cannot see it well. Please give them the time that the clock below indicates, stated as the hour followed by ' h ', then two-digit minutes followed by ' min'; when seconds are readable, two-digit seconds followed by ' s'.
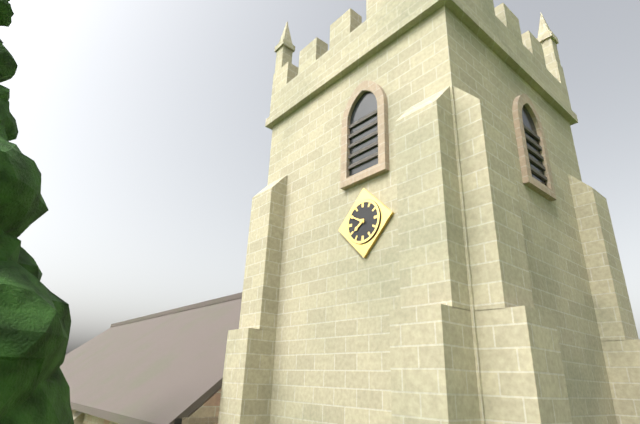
7 h 50 min
